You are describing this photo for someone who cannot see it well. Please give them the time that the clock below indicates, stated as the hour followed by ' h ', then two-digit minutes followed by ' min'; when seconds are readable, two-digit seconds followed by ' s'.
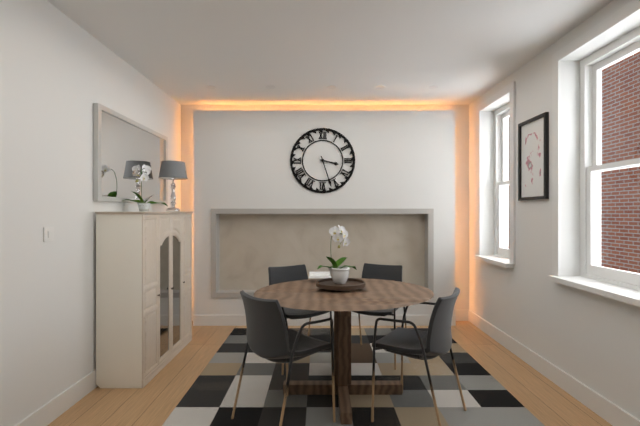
3 h 27 min
